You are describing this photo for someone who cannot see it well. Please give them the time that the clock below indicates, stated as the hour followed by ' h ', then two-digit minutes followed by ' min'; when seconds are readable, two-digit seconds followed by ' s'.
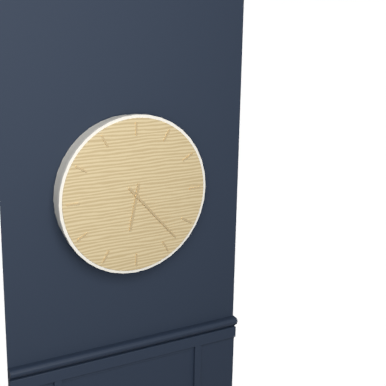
6 h 23 min
